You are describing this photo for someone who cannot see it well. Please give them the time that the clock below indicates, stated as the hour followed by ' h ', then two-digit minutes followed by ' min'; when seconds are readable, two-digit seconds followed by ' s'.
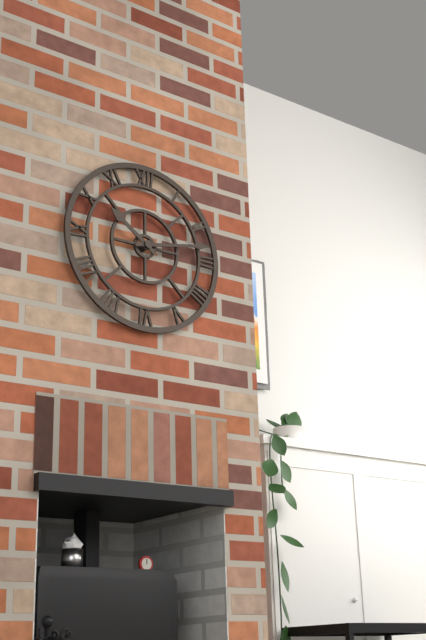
10 h 13 min
